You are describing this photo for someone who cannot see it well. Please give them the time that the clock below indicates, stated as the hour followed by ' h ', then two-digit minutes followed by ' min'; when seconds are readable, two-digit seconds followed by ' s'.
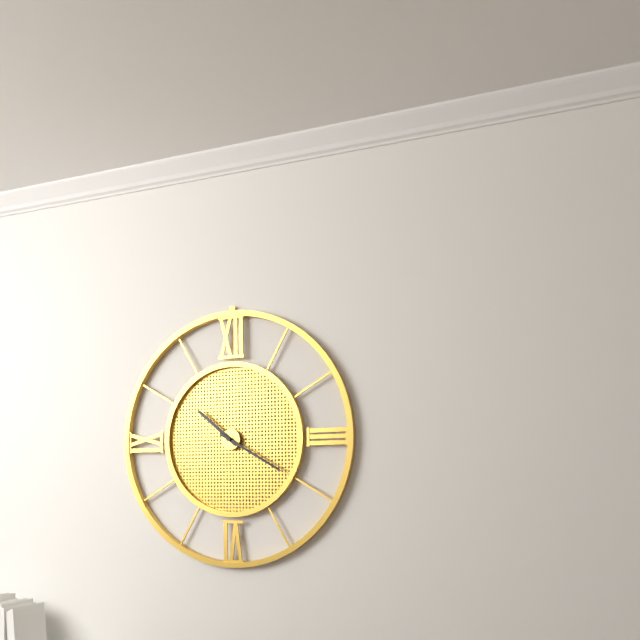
10 h 20 min
